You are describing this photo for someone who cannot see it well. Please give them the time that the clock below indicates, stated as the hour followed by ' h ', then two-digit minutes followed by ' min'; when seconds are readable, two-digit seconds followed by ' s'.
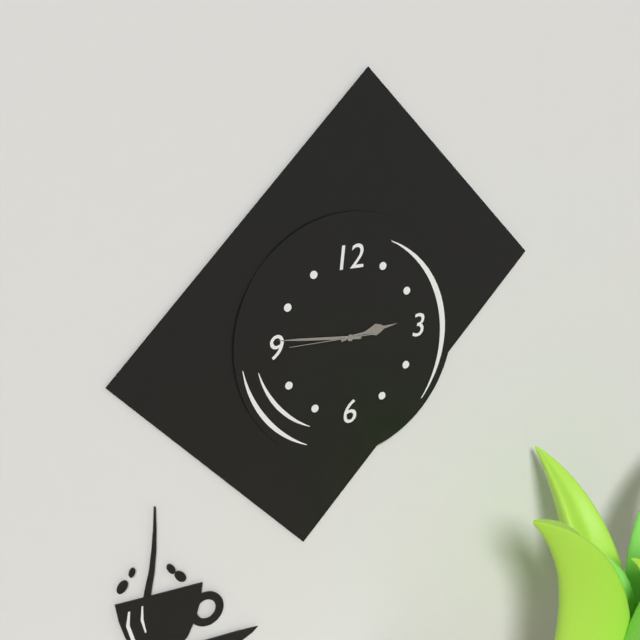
2 h 46 min 45 s
